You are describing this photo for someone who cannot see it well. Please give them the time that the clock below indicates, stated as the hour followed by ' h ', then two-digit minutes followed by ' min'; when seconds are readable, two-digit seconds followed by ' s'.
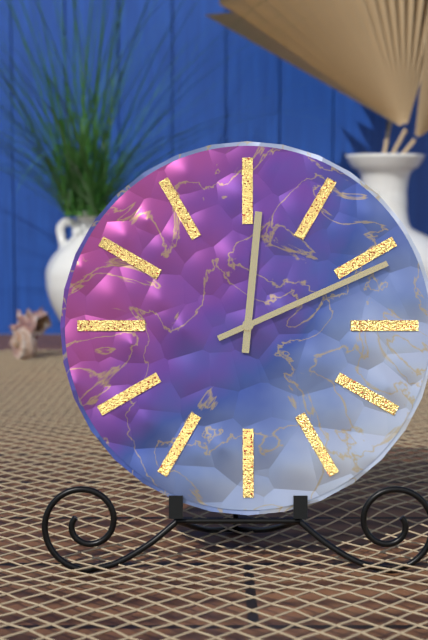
12 h 11 min
